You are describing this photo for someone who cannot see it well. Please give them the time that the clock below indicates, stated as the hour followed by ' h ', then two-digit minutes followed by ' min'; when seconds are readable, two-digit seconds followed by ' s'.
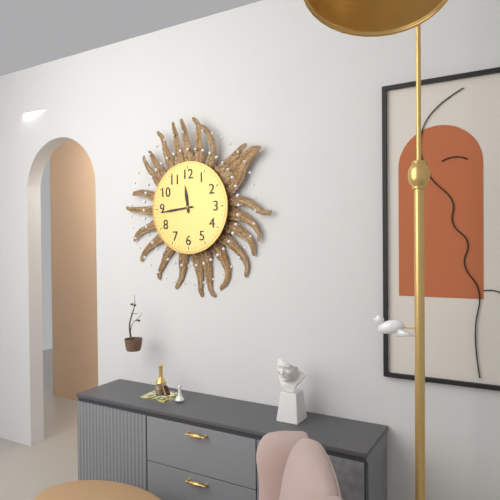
11 h 44 min
